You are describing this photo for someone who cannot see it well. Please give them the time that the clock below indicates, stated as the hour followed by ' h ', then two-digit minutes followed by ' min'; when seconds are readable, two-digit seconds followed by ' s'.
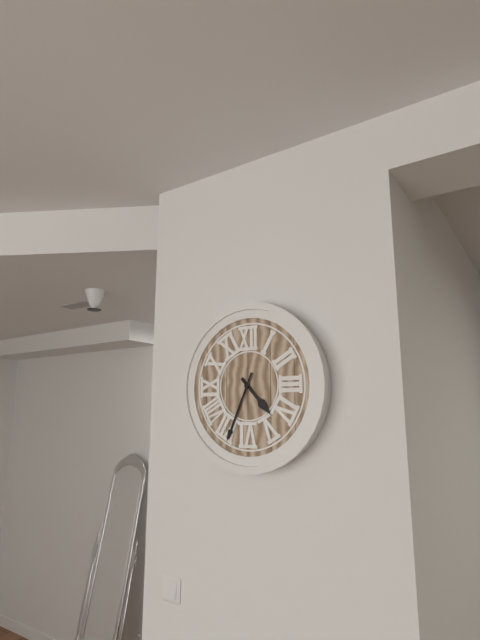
4 h 34 min
